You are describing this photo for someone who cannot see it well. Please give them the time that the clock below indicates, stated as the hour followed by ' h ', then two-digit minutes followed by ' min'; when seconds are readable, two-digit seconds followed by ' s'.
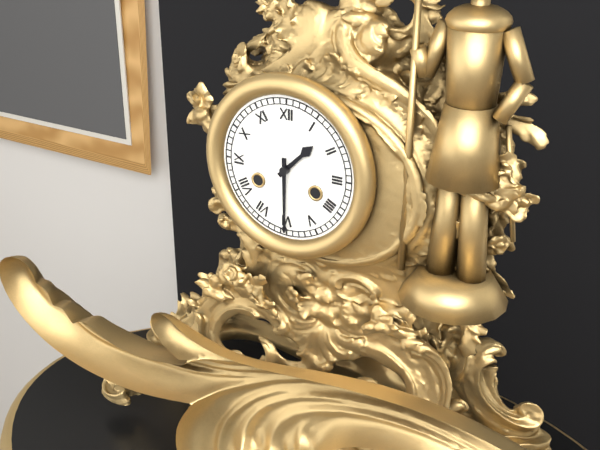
1 h 30 min
